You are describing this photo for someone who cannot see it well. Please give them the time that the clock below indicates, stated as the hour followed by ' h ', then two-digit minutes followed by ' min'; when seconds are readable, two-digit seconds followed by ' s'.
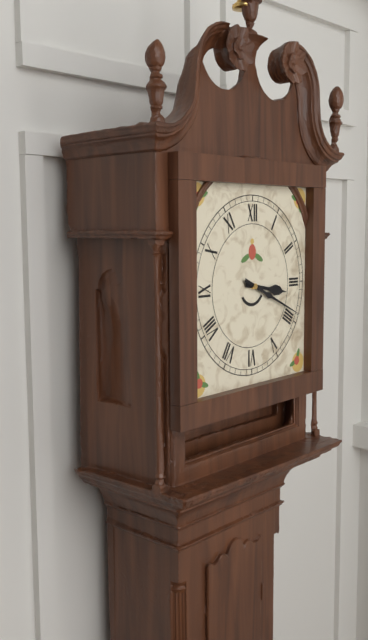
3 h 19 min
